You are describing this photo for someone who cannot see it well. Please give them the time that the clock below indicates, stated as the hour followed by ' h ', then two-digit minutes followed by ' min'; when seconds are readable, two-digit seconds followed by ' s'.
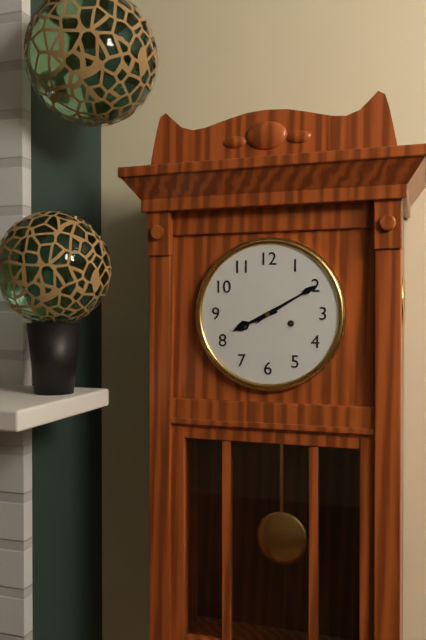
8 h 10 min
